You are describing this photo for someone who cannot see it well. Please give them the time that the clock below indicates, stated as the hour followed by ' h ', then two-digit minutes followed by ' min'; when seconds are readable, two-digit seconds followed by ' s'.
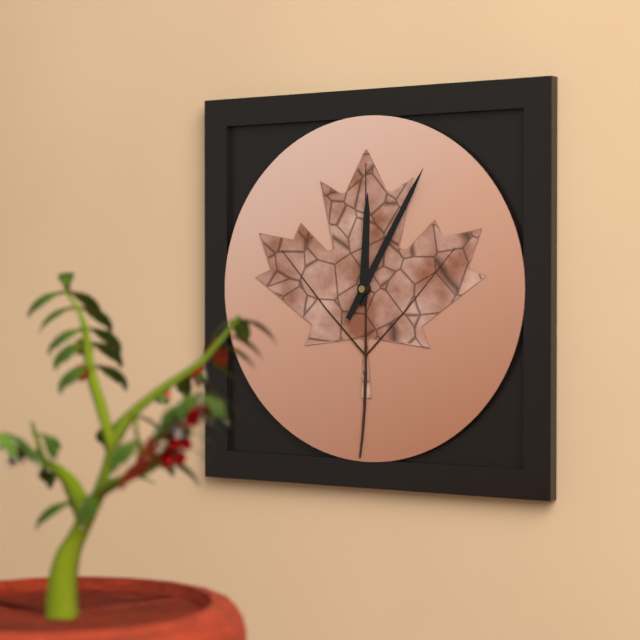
12 h 05 min
